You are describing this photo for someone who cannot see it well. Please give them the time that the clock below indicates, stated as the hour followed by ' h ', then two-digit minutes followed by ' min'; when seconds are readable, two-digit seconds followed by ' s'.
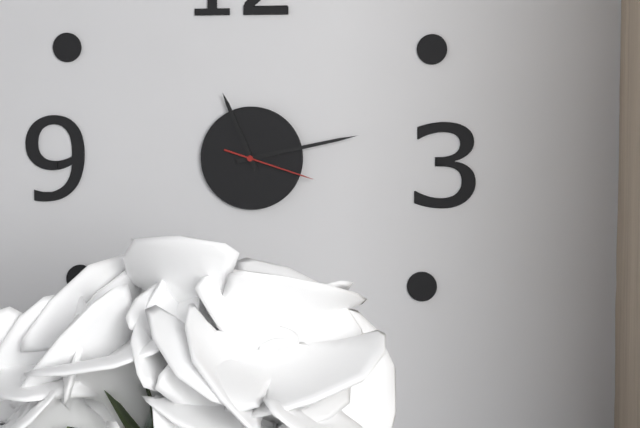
11 h 13 min 18 s
